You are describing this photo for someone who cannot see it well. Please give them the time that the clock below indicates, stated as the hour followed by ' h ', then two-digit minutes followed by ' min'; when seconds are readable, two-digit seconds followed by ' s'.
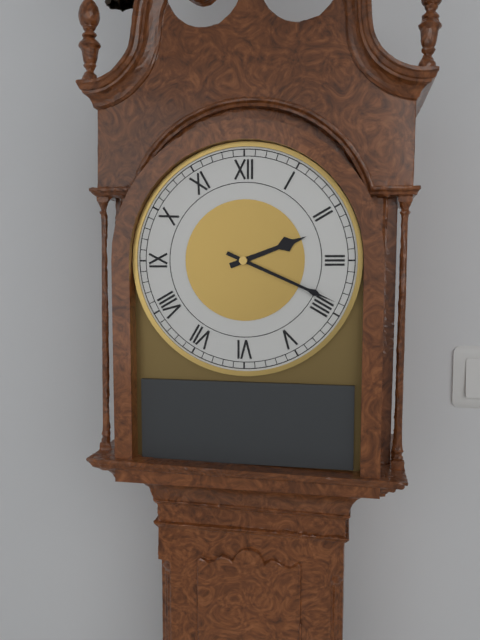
2 h 19 min
